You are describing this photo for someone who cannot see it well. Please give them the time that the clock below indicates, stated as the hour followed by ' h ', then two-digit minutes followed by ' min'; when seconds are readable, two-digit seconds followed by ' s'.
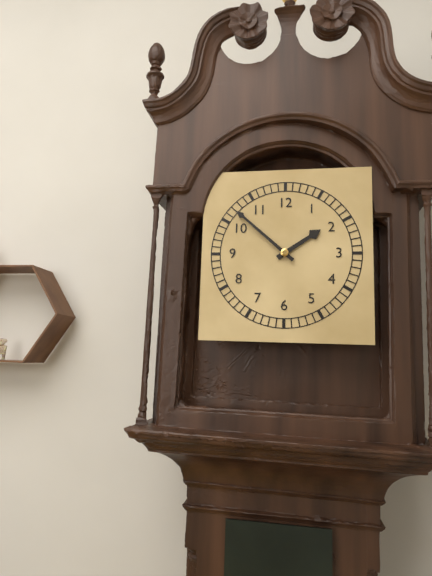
1 h 52 min
